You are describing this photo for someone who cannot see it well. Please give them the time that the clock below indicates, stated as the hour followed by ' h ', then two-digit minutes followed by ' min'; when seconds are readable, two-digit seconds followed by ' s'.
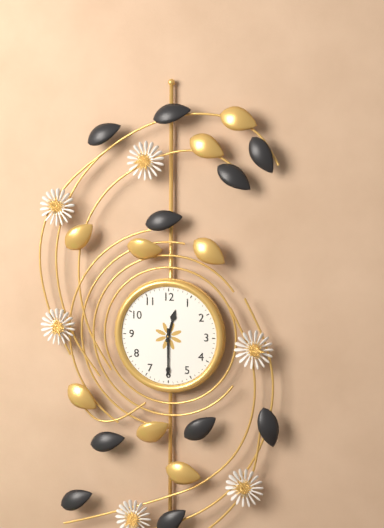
12 h 30 min
